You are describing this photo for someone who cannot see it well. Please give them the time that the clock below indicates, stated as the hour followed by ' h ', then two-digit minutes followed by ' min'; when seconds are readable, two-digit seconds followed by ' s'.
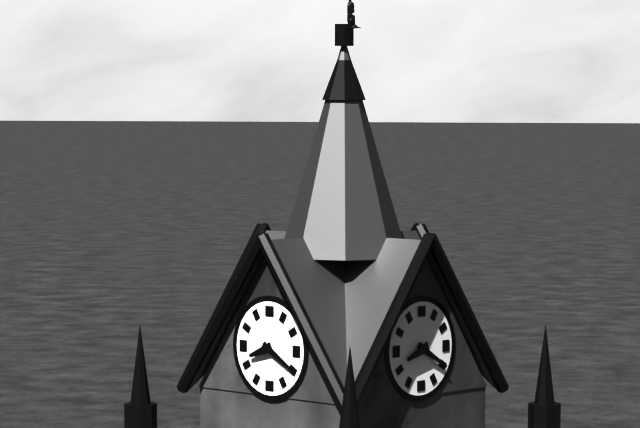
8 h 20 min
